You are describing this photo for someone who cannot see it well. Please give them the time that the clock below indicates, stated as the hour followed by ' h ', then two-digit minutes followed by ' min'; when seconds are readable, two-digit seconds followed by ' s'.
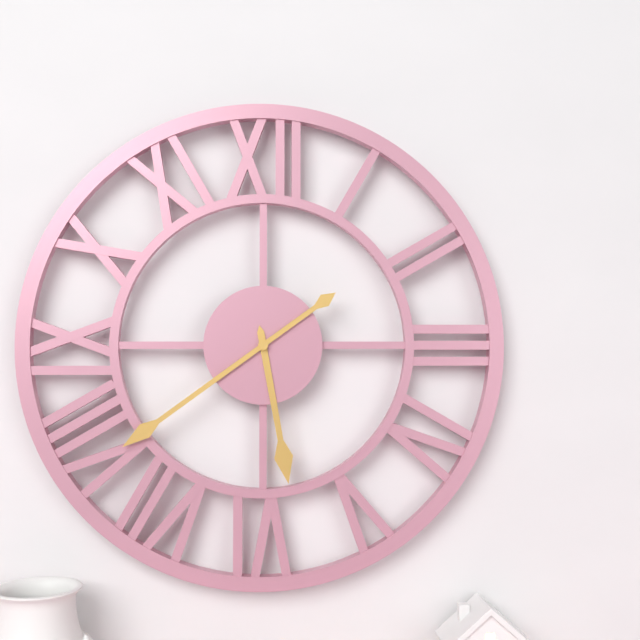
5 h 39 min
